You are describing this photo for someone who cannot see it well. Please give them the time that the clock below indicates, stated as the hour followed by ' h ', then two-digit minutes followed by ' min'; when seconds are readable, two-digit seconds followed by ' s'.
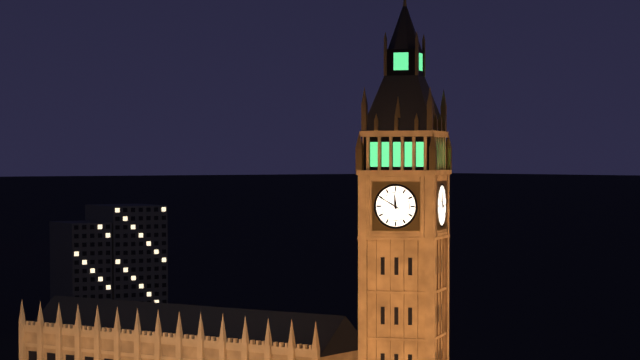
11 h 50 min
